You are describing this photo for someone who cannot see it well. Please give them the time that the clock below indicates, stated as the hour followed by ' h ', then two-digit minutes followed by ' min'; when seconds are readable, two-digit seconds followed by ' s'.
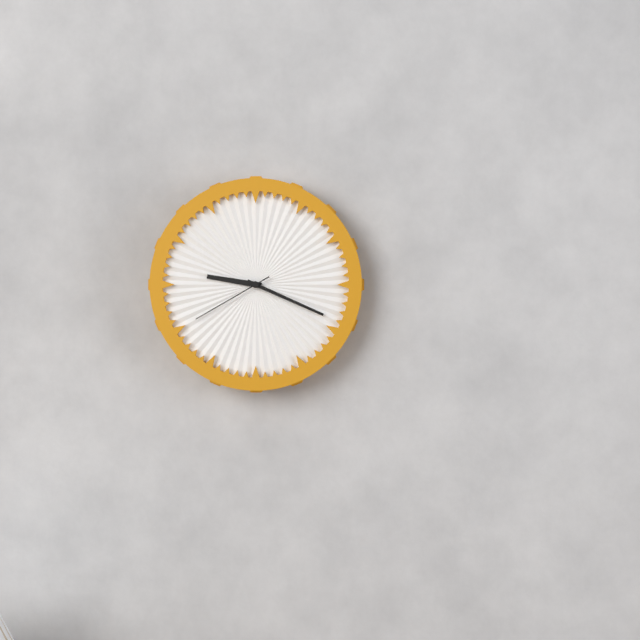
9 h 19 min 40 s
